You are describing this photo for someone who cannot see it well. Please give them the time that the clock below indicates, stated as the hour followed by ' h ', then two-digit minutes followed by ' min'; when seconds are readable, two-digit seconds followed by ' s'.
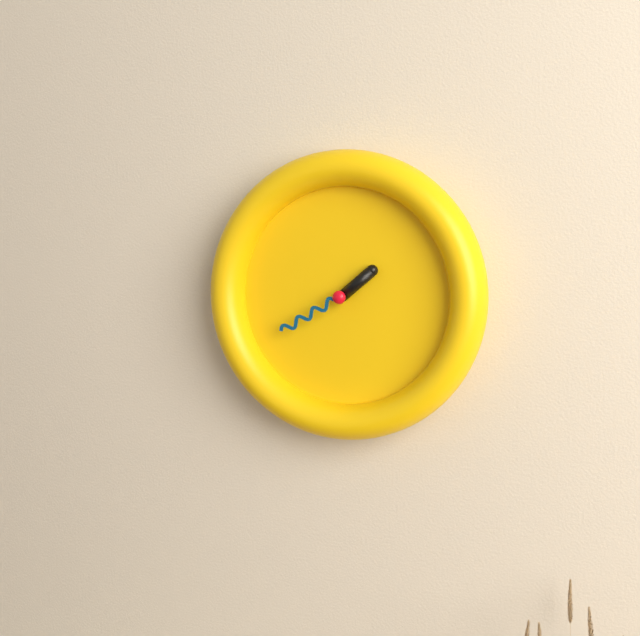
1 h 40 min
